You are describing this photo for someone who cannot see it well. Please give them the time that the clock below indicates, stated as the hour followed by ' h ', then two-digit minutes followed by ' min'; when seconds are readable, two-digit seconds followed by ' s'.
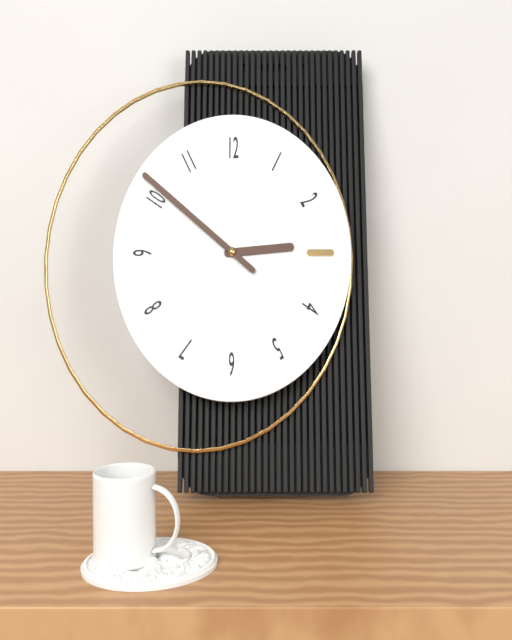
2 h 51 min
